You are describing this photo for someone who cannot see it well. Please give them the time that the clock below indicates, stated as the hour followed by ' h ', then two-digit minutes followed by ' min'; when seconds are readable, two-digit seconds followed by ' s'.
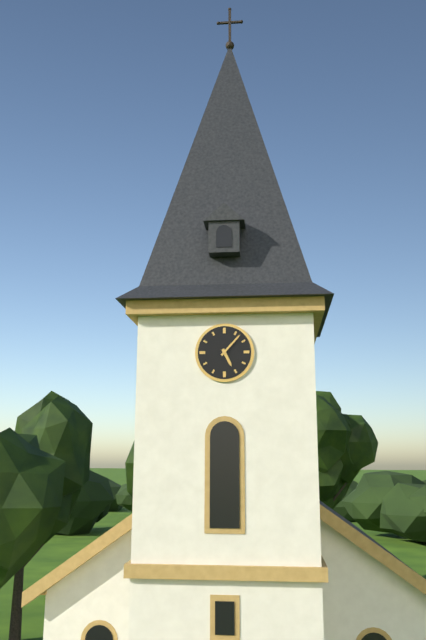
5 h 07 min
